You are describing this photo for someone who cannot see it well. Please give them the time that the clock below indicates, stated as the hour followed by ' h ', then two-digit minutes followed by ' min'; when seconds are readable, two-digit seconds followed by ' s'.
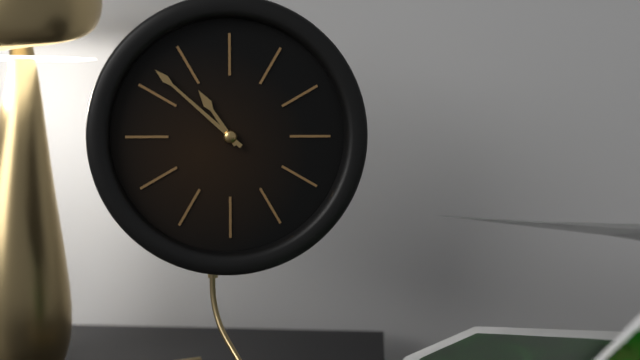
10 h 52 min
